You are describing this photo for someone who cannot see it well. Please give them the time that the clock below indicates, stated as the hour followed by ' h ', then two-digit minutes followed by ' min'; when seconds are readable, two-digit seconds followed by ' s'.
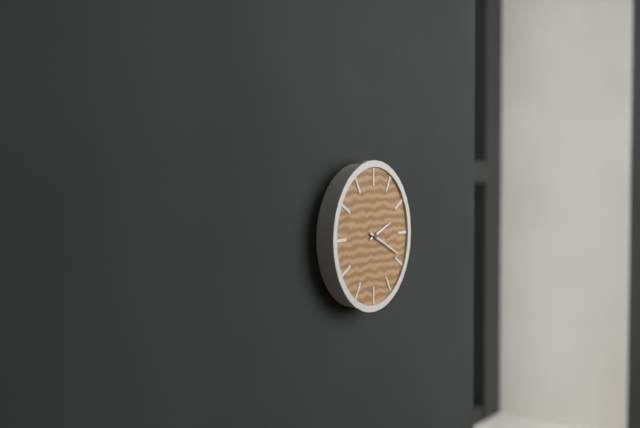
2 h 19 min
